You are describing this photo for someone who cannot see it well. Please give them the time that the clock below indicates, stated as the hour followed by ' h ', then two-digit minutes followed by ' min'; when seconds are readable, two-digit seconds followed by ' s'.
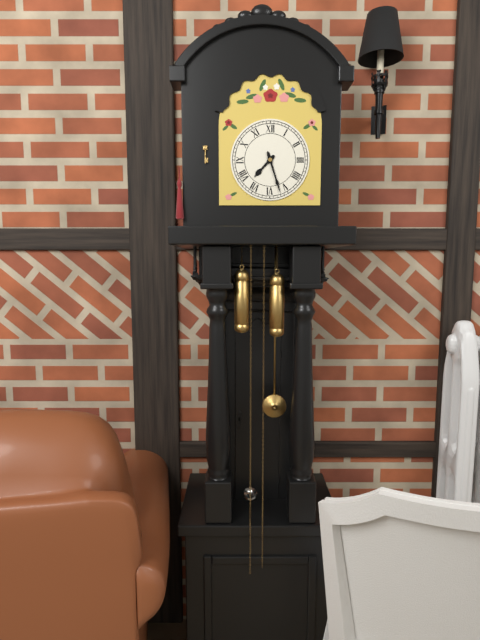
7 h 27 min
